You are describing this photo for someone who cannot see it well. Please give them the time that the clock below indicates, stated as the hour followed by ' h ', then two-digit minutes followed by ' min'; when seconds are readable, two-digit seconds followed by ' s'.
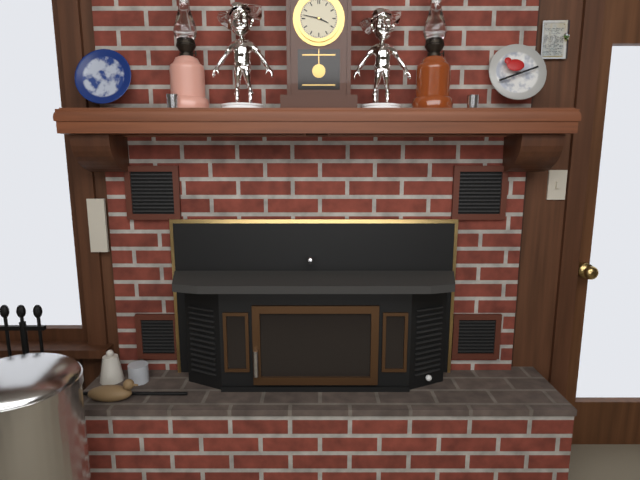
3 h 47 min
